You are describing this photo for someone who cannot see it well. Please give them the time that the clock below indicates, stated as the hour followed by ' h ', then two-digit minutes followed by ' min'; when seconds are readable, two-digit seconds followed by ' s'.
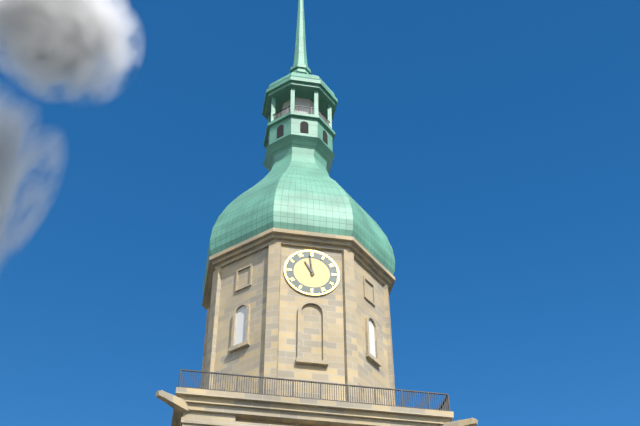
10 h 59 min
